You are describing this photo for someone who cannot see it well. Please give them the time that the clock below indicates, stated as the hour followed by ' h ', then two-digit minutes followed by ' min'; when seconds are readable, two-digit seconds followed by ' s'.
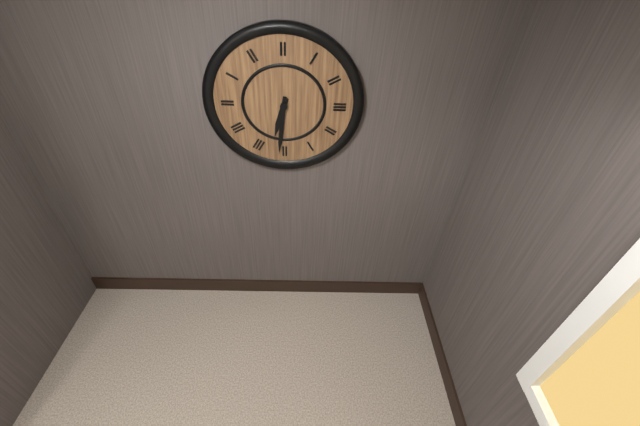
6 h 31 min
